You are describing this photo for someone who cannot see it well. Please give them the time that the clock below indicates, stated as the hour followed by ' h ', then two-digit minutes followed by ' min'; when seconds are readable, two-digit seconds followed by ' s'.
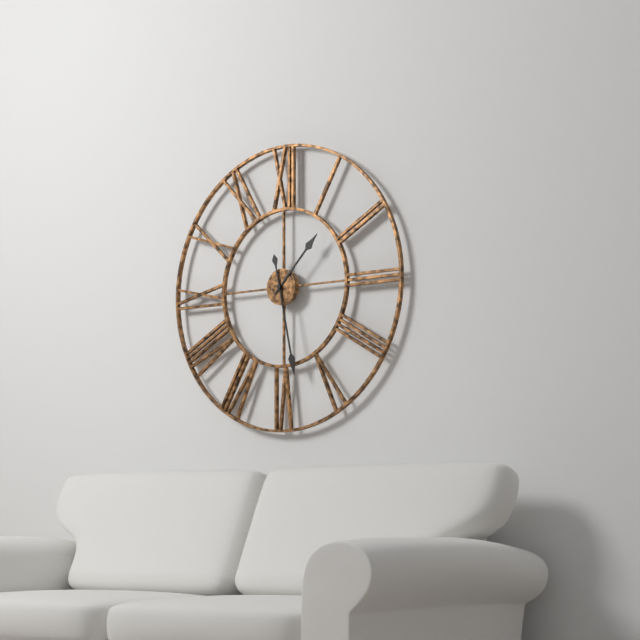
1 h 28 min
